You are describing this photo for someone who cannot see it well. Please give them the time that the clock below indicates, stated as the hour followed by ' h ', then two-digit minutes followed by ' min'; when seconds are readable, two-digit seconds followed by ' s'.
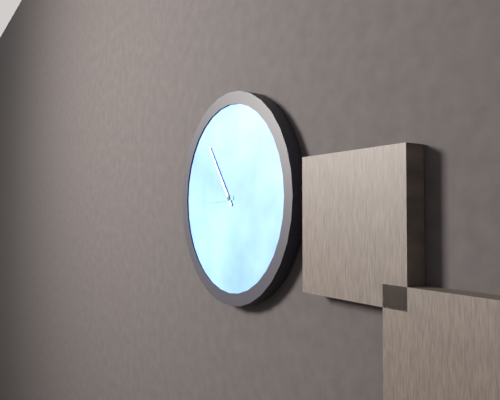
8 h 54 min
